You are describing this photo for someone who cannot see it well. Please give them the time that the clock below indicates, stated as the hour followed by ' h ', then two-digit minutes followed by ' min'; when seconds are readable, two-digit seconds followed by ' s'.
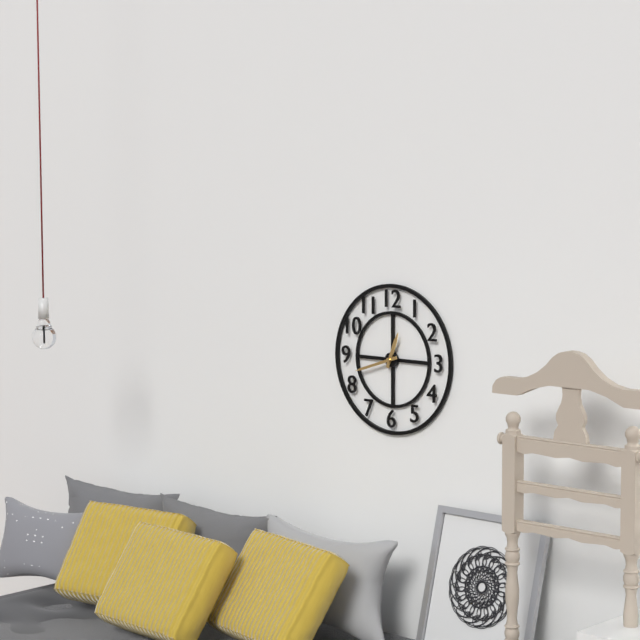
12 h 42 min
